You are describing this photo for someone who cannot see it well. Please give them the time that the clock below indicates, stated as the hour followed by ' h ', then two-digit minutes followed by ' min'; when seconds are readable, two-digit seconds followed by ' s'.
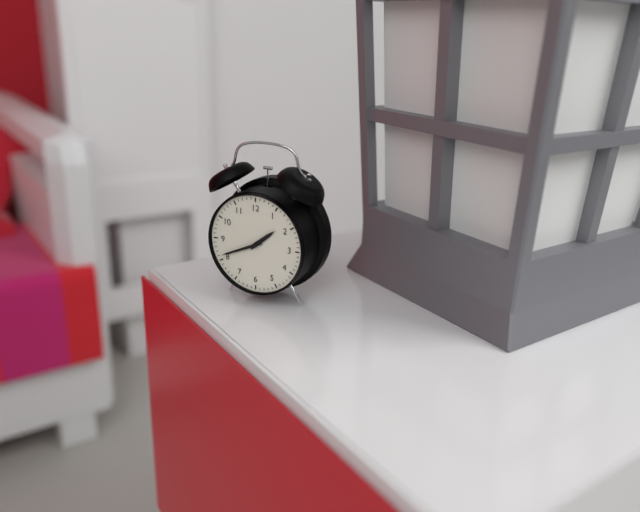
1 h 41 min
